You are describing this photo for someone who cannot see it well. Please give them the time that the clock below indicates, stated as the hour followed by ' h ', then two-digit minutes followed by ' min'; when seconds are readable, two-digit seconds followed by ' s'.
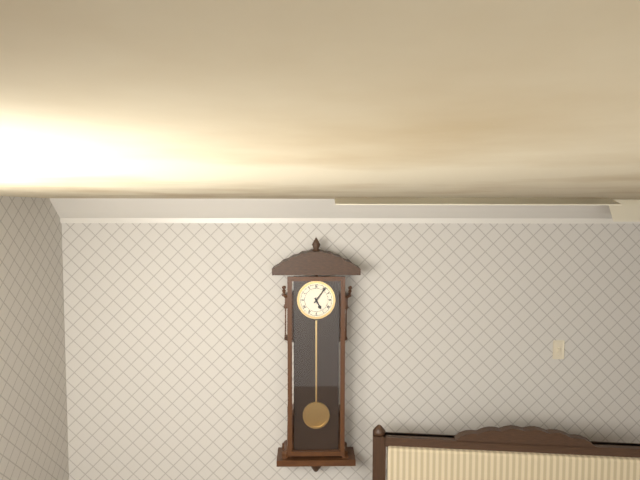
5 h 06 min
